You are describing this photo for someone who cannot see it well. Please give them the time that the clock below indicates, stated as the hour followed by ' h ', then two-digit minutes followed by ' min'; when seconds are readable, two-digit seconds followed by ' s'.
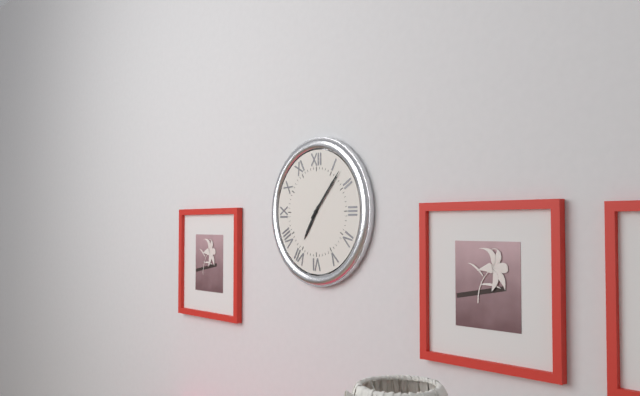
7 h 07 min
